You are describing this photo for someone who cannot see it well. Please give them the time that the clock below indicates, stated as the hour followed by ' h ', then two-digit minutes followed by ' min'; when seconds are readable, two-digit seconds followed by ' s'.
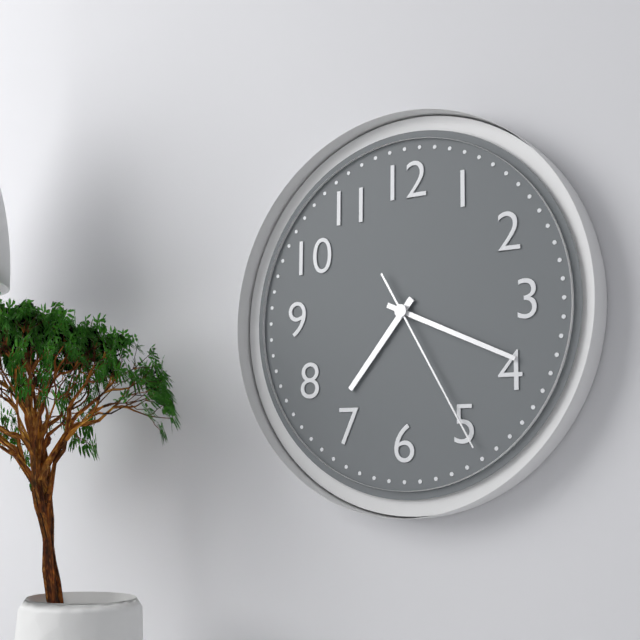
7 h 19 min 25 s
